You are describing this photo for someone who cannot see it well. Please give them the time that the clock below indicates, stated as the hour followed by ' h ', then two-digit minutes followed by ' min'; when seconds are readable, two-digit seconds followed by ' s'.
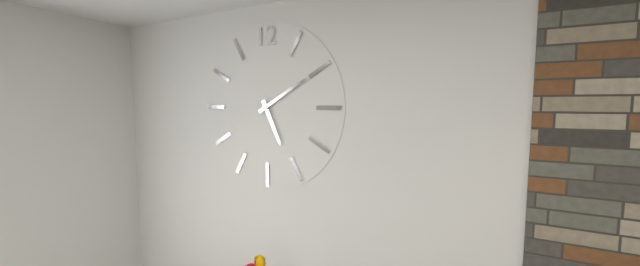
5 h 10 min
